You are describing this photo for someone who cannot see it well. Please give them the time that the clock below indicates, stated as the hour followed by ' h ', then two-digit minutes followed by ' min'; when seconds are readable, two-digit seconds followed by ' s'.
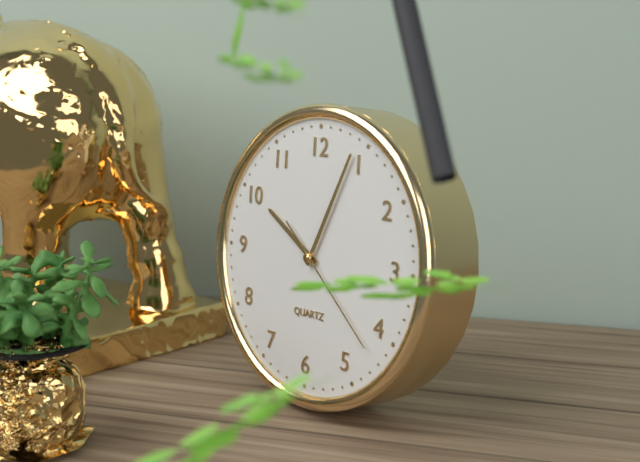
10 h 04 min 22 s
